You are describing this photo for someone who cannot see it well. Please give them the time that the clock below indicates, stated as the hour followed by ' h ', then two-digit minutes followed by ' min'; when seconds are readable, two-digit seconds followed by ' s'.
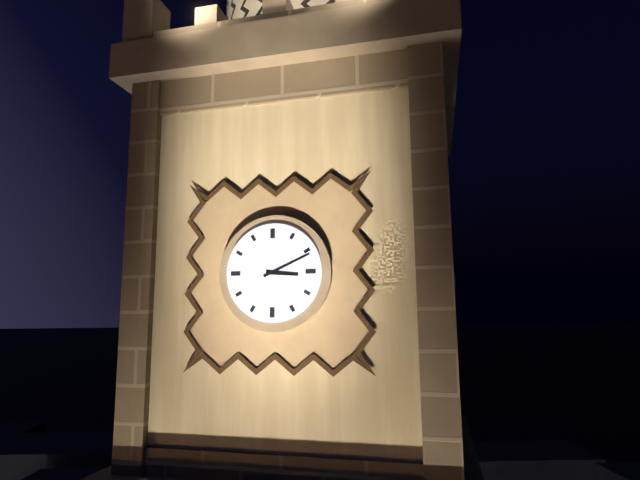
3 h 11 min
